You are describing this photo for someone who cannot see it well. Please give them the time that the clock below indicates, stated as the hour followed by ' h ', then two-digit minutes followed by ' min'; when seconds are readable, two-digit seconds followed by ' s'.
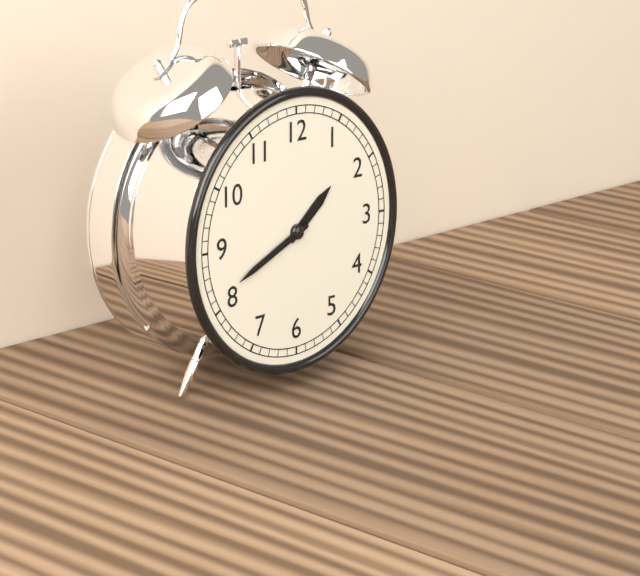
1 h 41 min
